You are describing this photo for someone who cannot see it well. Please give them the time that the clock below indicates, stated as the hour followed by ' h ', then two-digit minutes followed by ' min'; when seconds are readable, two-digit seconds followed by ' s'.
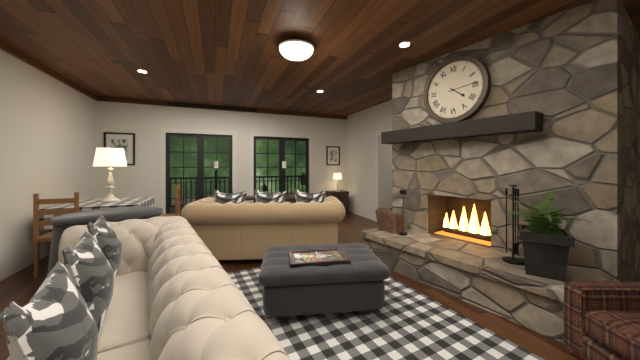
4 h 14 min
